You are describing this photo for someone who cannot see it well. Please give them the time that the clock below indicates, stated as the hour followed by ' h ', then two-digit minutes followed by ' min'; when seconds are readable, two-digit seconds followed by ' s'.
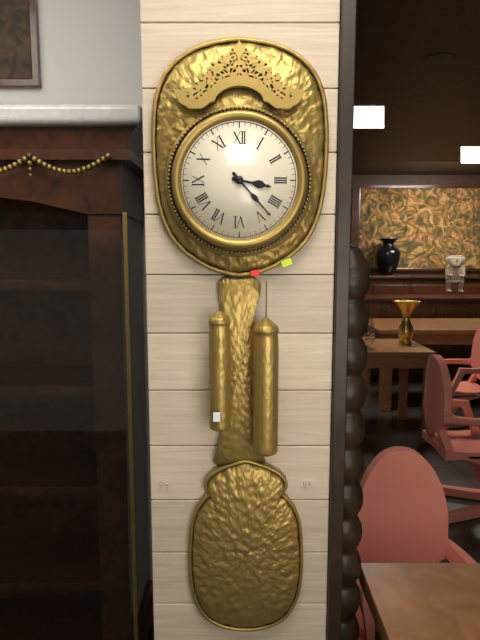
3 h 23 min
